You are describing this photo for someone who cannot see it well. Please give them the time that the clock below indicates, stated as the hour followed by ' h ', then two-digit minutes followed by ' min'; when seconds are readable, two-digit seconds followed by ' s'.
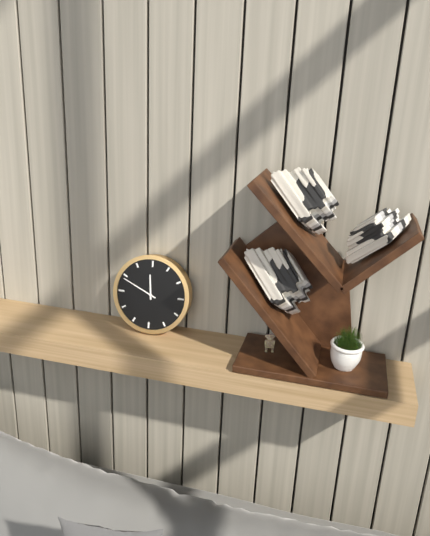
11 h 49 min
